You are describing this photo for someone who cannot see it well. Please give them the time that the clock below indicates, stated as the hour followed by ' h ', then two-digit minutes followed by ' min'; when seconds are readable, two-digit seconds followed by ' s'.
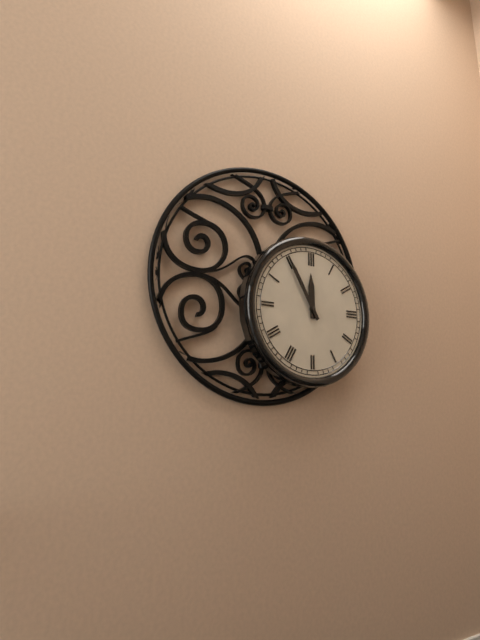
11 h 55 min
